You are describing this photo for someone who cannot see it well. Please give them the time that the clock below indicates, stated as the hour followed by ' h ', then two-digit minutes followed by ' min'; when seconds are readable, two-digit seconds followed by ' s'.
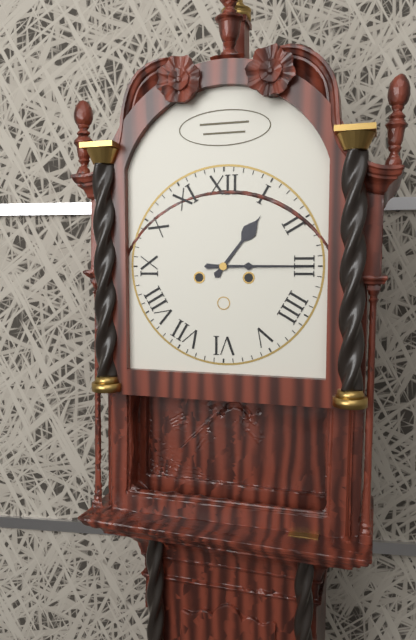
1 h 15 min
